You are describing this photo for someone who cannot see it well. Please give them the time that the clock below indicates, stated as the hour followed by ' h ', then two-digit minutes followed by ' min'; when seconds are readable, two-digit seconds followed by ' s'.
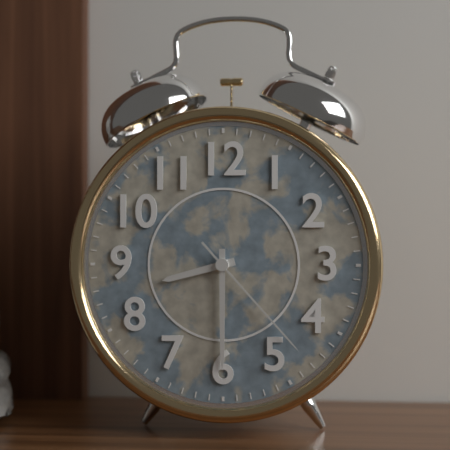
8 h 30 min 23 s
